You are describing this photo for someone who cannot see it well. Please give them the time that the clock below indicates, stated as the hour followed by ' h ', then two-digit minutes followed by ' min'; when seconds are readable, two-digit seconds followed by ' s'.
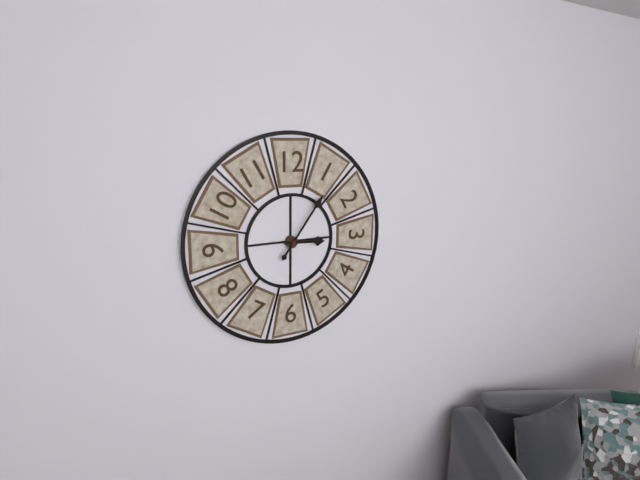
3 h 06 min
